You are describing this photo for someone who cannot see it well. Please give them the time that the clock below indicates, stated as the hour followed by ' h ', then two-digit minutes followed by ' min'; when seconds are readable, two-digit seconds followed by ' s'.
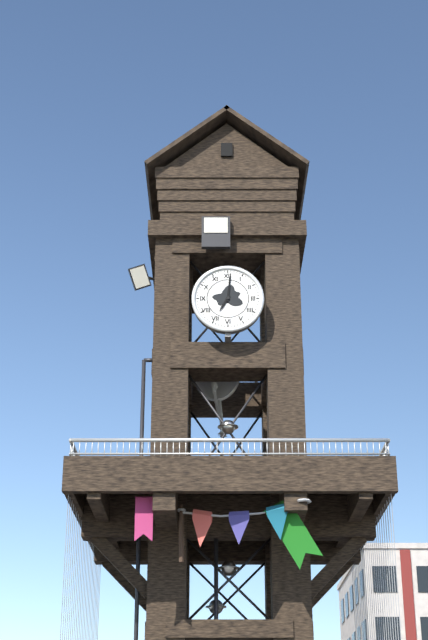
7 h 01 min
